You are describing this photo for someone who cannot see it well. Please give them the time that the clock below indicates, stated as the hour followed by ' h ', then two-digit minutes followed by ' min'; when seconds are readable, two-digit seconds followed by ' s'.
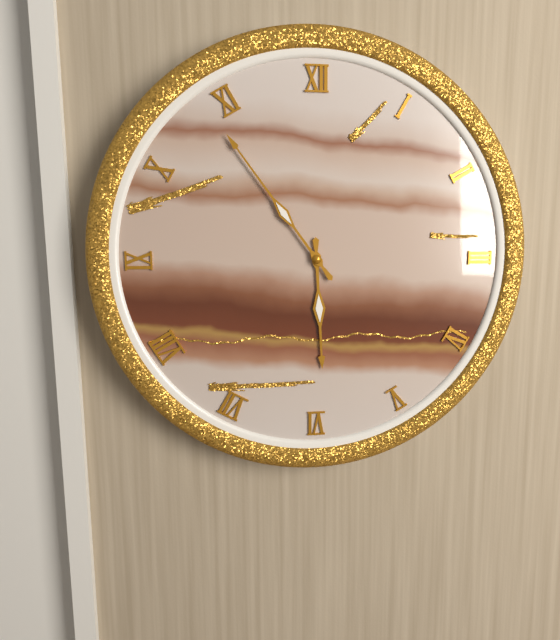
5 h 54 min
